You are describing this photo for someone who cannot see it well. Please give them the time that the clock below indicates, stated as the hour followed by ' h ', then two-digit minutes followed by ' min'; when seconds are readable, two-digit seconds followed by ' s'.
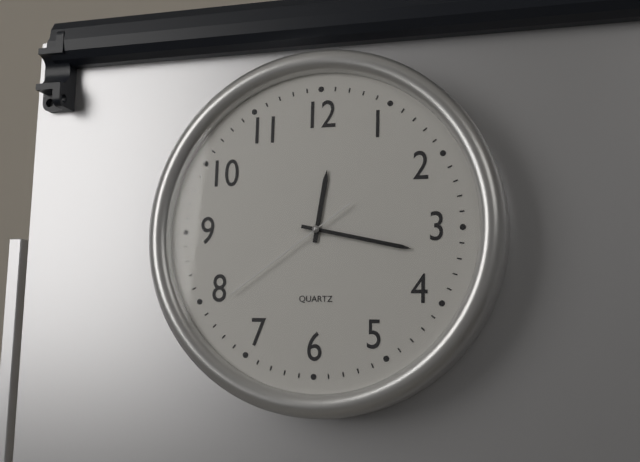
12 h 17 min 39 s
